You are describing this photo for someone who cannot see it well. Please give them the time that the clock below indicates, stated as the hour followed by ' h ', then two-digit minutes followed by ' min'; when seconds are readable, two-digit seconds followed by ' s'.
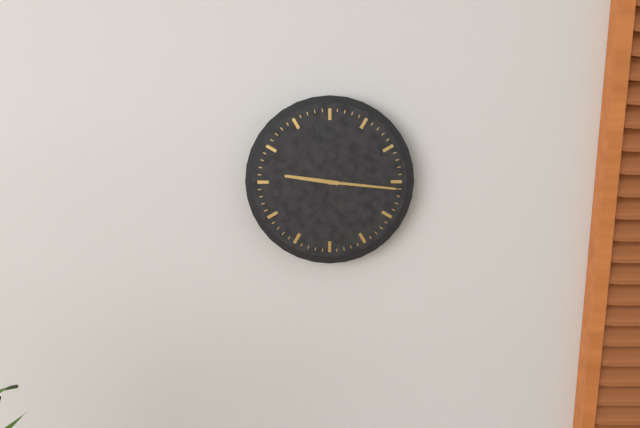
9 h 16 min
